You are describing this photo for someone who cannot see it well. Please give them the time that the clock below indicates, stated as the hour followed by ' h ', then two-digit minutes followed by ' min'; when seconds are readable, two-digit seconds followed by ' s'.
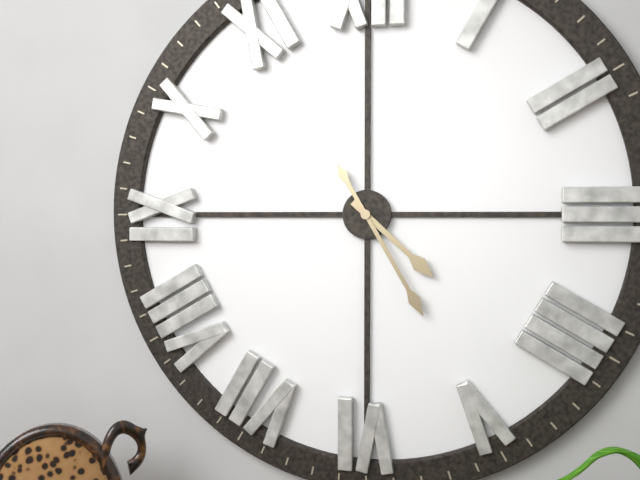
4 h 25 min
